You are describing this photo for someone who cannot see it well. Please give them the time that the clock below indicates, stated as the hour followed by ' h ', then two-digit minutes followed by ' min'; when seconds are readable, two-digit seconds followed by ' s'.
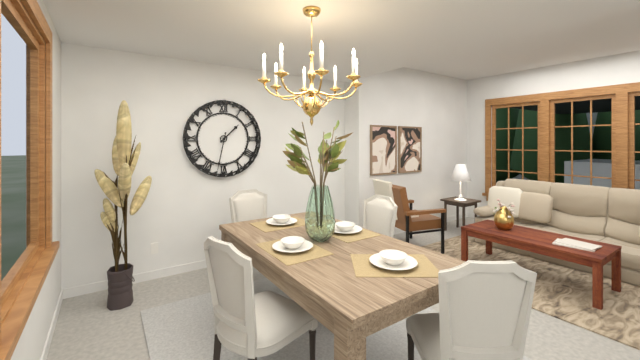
1 h 32 min
